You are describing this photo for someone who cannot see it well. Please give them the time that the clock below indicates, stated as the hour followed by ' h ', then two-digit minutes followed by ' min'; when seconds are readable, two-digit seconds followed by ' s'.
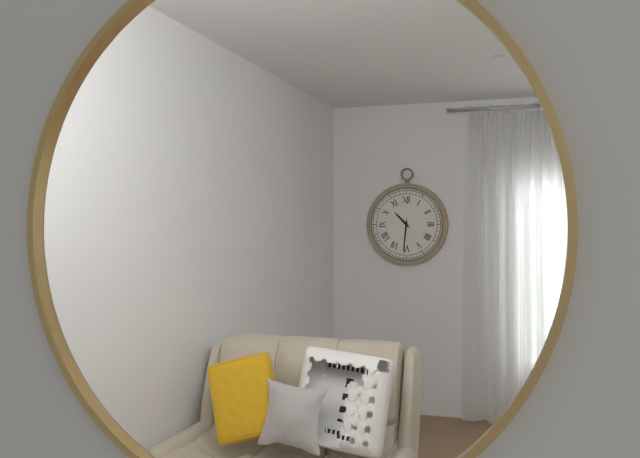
10 h 31 min
